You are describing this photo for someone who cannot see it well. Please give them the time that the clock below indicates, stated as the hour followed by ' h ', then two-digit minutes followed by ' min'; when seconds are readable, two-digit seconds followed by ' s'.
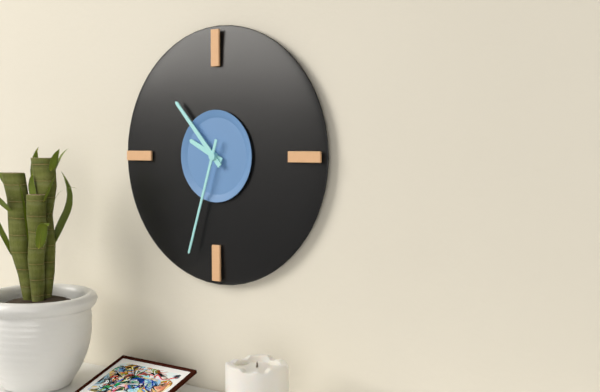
9 h 53 min 33 s
